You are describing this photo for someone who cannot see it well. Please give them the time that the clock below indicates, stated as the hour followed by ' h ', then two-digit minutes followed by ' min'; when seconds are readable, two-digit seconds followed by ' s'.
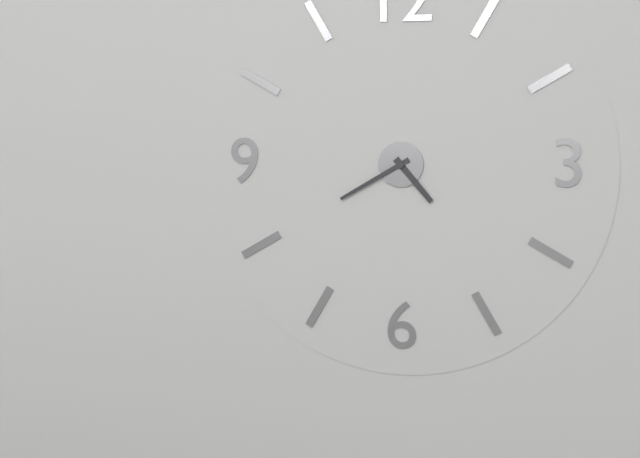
4 h 40 min
